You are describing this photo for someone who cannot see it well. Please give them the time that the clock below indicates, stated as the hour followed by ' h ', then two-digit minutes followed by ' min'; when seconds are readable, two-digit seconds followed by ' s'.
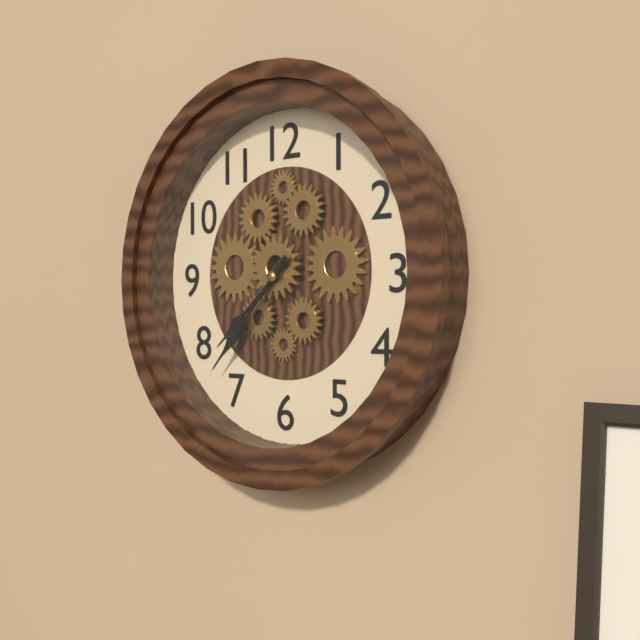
7 h 37 min
